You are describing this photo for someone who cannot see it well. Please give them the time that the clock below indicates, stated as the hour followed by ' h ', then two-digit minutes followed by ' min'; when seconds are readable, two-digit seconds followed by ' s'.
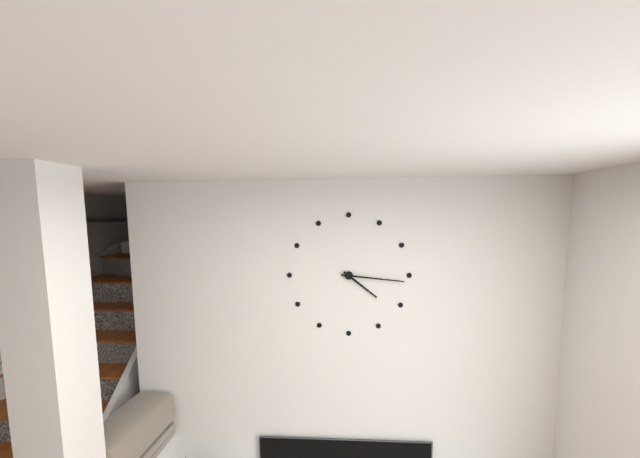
4 h 16 min
